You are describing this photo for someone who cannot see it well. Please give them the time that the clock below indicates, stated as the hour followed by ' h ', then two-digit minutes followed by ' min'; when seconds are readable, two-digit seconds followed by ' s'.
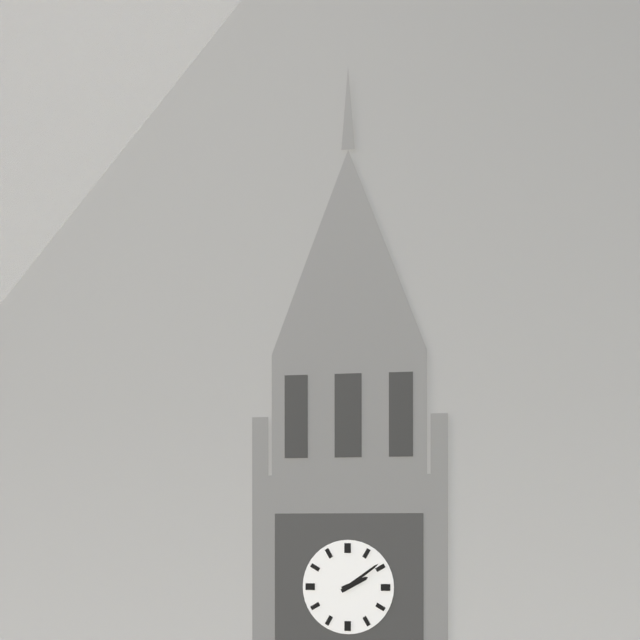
2 h 09 min
